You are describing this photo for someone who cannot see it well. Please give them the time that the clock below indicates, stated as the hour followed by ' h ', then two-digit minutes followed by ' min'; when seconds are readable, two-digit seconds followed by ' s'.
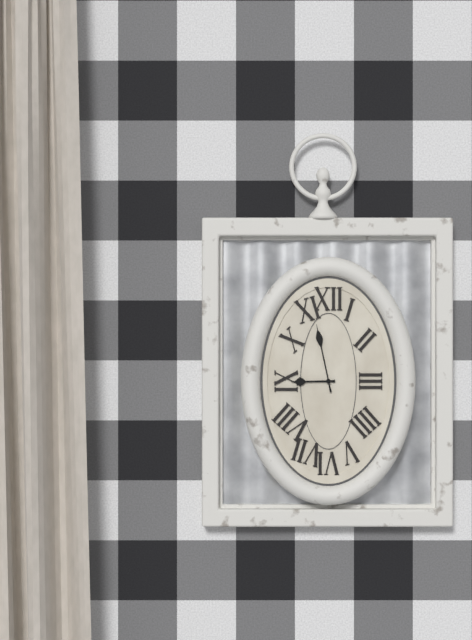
8 h 58 min
